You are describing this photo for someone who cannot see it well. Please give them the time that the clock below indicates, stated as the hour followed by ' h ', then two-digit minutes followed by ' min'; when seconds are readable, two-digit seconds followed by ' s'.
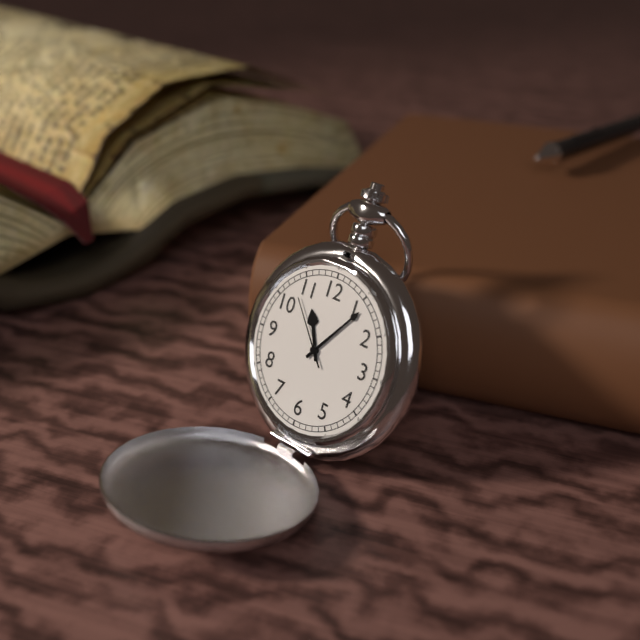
11 h 06 min 53 s
